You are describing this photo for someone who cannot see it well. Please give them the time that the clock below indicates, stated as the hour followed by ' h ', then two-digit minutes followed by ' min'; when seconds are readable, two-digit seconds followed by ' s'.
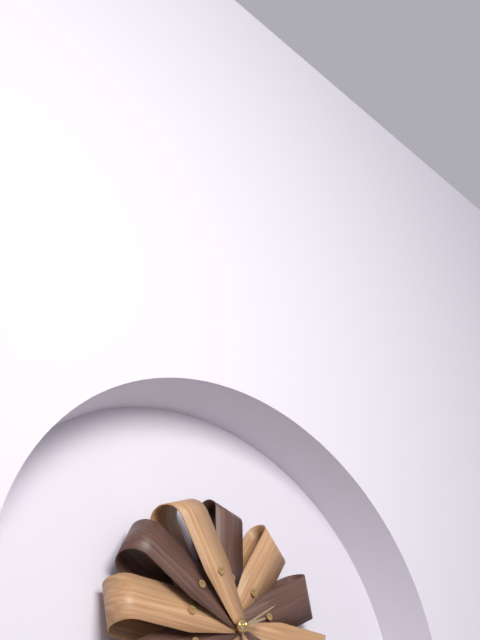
2 h 09 min
